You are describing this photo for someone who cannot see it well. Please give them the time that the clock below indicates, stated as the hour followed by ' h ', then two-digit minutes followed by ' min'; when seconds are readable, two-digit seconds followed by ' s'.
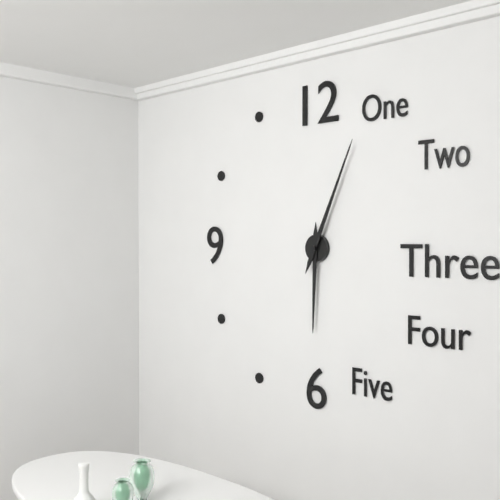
6 h 04 min
